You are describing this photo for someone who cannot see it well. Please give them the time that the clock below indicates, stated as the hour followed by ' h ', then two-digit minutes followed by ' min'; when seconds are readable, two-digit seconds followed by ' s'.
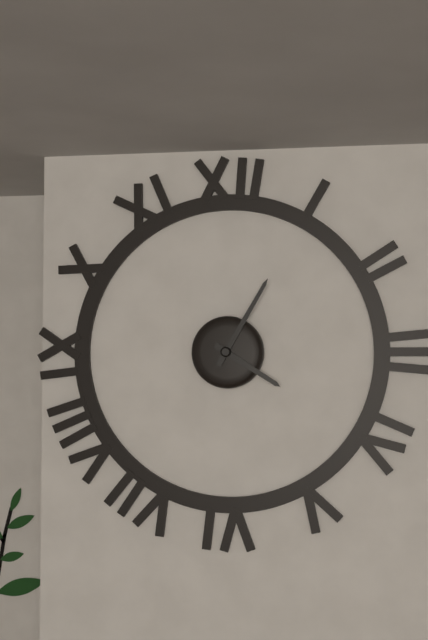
4 h 05 min
